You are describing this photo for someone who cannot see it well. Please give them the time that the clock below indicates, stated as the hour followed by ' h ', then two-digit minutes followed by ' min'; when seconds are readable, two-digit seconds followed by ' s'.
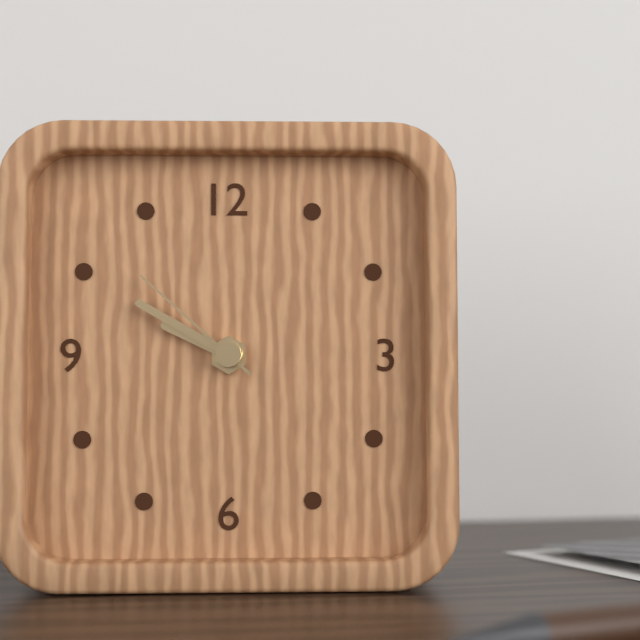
9 h 50 min 52 s
